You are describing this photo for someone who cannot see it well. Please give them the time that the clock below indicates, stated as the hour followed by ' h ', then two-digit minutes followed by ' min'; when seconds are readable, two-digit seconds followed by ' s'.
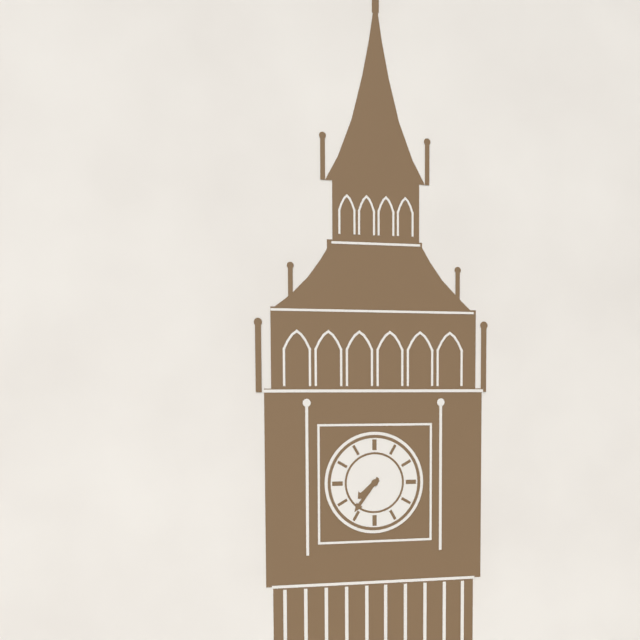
7 h 36 min
